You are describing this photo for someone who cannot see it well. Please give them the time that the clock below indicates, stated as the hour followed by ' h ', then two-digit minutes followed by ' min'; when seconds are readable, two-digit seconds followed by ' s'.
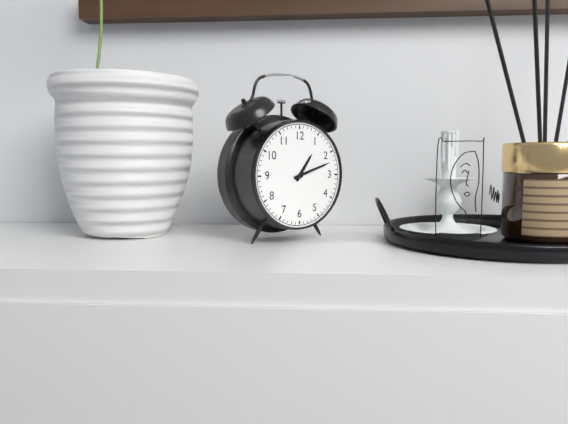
1 h 12 min
